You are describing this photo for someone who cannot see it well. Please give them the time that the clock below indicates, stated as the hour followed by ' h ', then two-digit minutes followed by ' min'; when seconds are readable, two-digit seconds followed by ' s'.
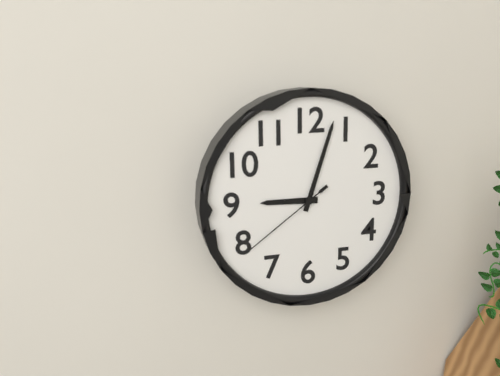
9 h 03 min 39 s
